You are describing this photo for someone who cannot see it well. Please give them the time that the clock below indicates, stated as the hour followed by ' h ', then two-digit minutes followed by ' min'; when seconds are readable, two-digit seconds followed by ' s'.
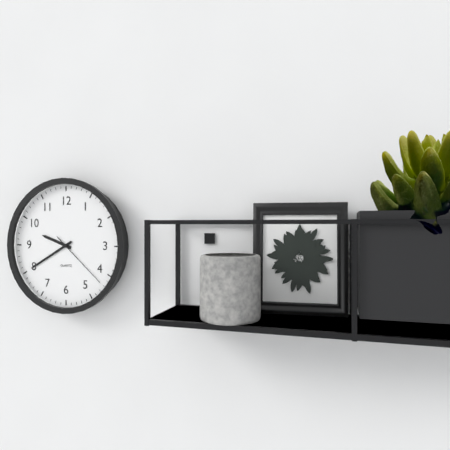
9 h 40 min 22 s
